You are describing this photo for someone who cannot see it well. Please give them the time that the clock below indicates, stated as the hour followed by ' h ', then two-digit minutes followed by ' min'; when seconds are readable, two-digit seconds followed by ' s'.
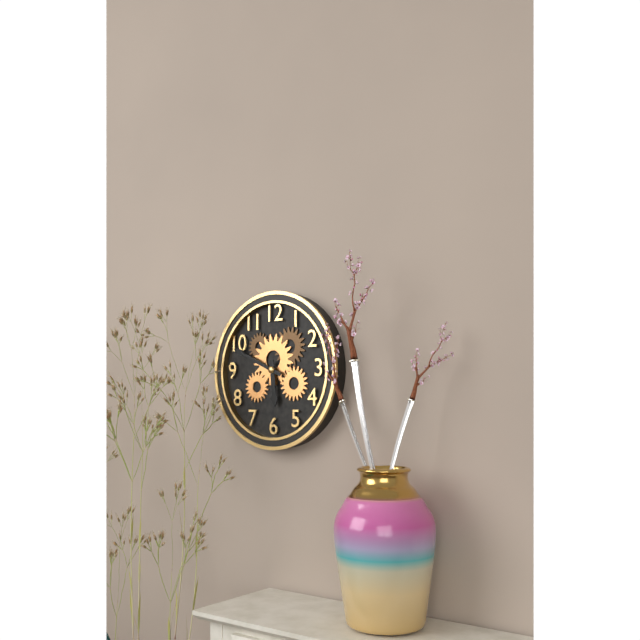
5 h 49 min
